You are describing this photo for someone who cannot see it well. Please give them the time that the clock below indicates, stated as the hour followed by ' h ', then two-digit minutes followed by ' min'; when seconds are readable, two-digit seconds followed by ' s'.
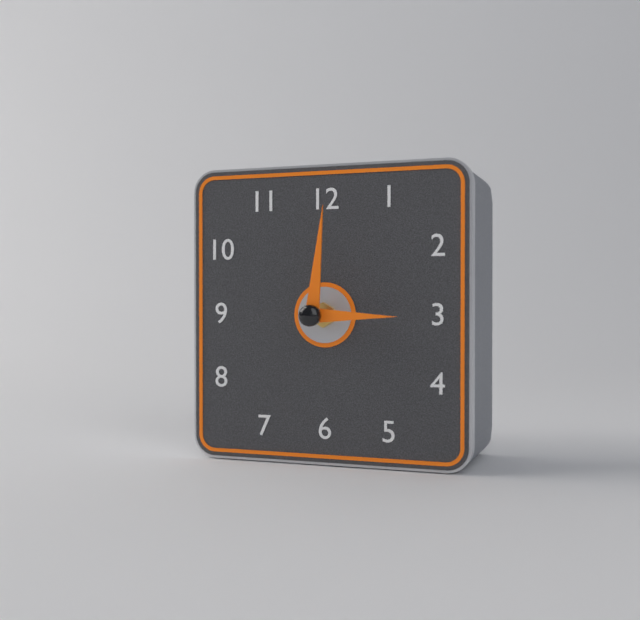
3 h 01 min
